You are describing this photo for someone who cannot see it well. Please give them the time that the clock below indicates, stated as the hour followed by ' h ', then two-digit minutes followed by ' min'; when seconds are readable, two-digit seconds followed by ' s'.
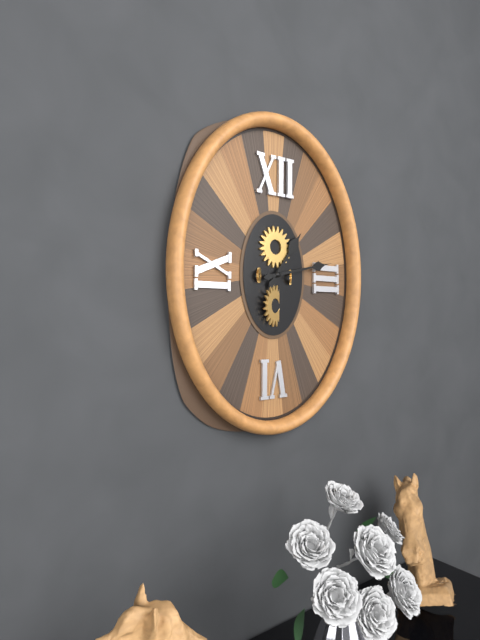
1 h 13 min
